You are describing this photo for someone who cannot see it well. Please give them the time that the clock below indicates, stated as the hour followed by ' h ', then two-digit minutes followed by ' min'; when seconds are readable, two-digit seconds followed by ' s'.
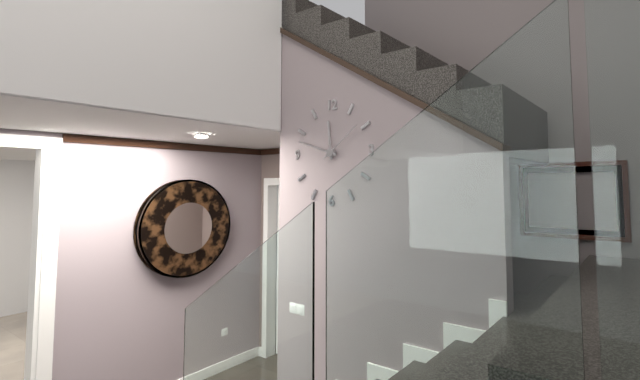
11 h 48 min
